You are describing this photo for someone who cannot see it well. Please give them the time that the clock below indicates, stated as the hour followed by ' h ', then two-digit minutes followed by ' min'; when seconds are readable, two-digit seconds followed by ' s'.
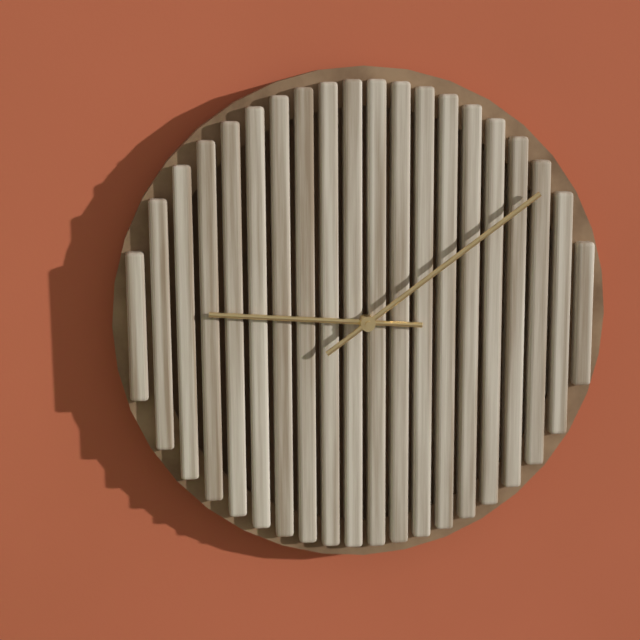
9 h 09 min
